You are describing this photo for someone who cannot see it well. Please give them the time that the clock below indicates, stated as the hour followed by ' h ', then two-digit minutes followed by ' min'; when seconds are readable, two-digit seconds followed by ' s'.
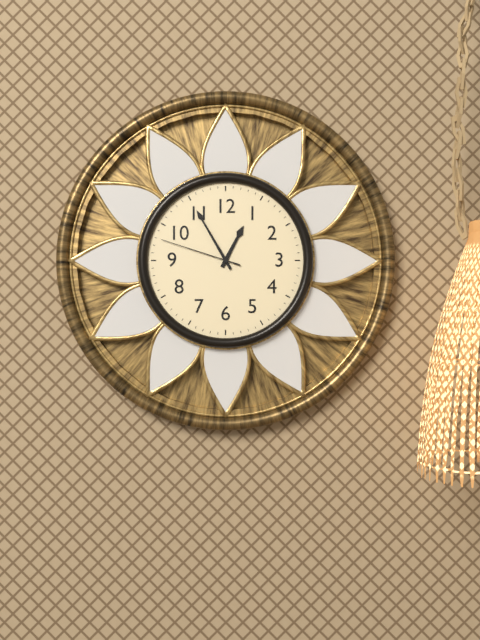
12 h 55 min 48 s
